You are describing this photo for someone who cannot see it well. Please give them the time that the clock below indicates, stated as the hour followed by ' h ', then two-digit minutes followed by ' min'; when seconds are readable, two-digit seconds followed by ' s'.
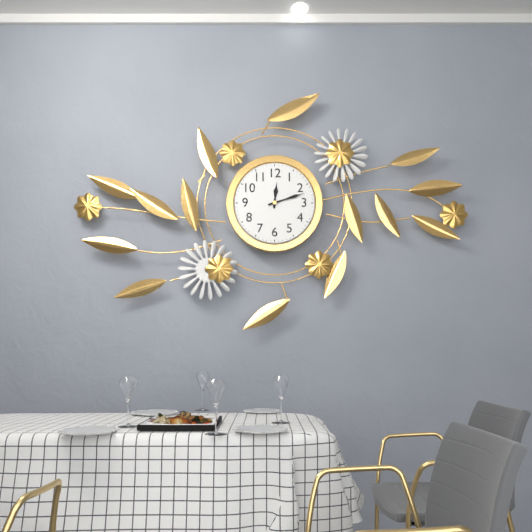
12 h 12 min
